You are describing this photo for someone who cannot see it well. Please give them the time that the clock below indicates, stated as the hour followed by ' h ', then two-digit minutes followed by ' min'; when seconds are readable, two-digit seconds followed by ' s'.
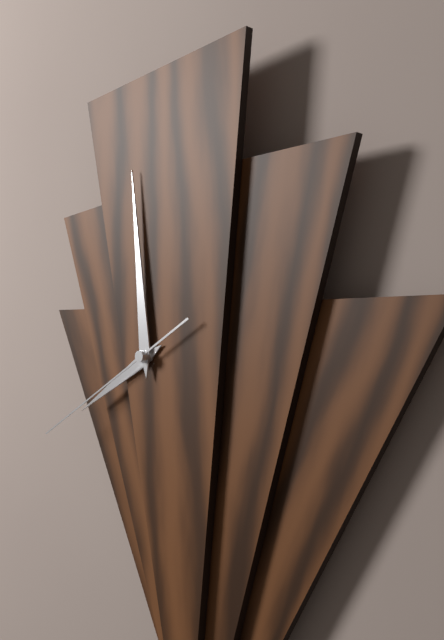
7 h 59 min 40 s
